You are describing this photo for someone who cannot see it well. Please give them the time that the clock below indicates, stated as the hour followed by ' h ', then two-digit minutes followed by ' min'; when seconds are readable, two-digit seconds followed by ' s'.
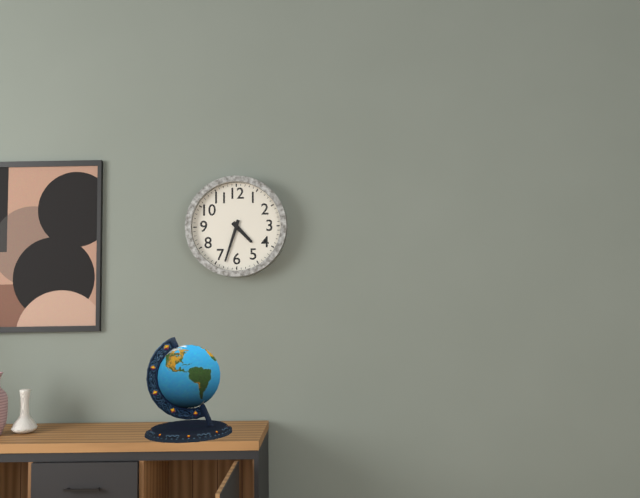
4 h 33 min
